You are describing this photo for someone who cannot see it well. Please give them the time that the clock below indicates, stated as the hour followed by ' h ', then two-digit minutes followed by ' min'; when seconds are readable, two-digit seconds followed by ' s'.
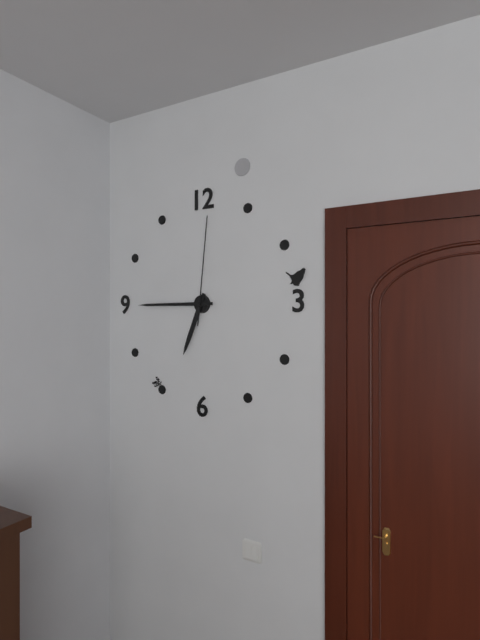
6 h 45 min 01 s
